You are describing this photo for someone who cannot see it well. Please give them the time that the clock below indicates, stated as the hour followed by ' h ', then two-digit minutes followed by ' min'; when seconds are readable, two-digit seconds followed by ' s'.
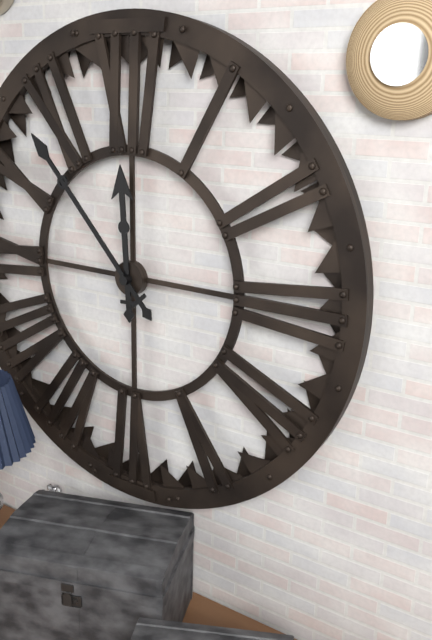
11 h 53 min
